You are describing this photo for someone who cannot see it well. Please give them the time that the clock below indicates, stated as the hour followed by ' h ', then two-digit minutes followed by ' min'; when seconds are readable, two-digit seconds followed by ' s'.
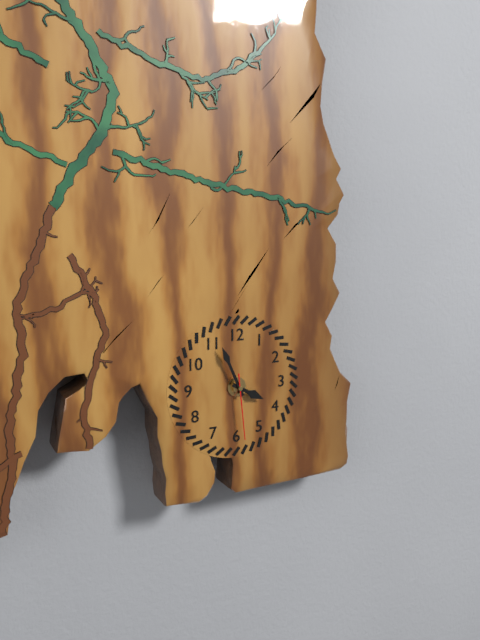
3 h 56 min 29 s
